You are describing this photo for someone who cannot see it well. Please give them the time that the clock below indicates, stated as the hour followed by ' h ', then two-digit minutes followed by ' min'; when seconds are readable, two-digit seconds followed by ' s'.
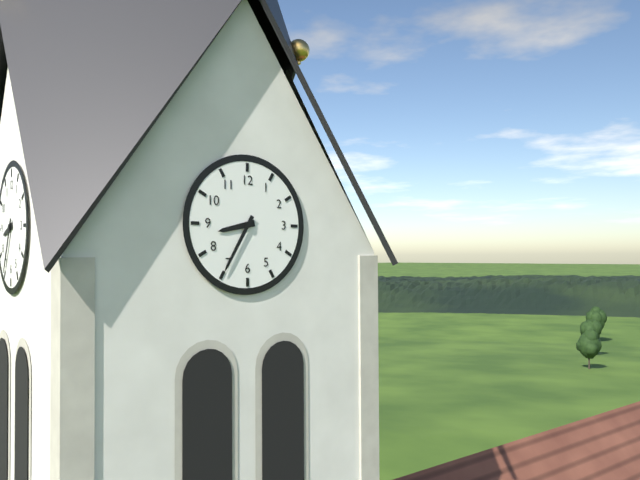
8 h 35 min
